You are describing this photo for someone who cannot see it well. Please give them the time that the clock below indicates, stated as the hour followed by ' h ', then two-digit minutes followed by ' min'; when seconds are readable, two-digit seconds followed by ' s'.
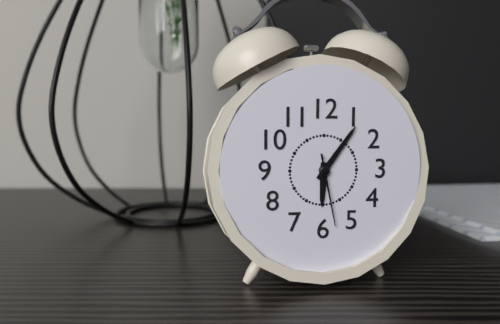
6 h 06 min 28 s
